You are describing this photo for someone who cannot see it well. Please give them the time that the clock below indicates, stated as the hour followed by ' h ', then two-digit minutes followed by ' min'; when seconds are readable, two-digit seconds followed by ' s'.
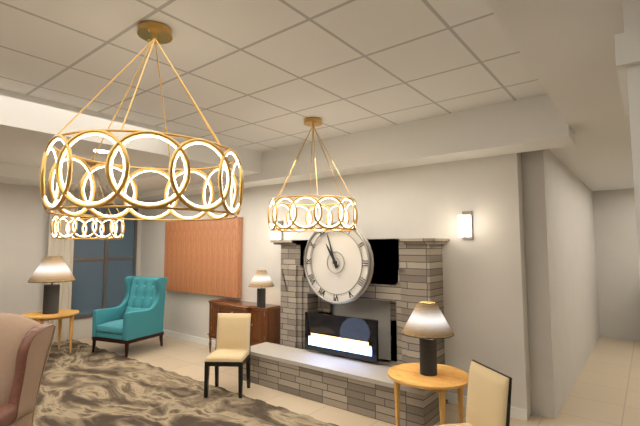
10 h 57 min
